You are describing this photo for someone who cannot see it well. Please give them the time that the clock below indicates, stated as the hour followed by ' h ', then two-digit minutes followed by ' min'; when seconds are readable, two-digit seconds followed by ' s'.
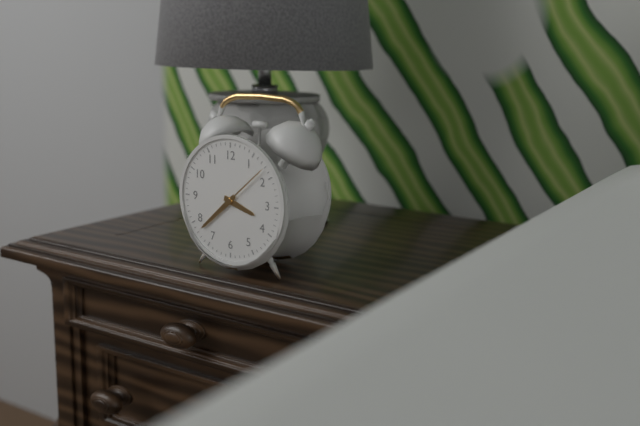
3 h 38 min 08 s
